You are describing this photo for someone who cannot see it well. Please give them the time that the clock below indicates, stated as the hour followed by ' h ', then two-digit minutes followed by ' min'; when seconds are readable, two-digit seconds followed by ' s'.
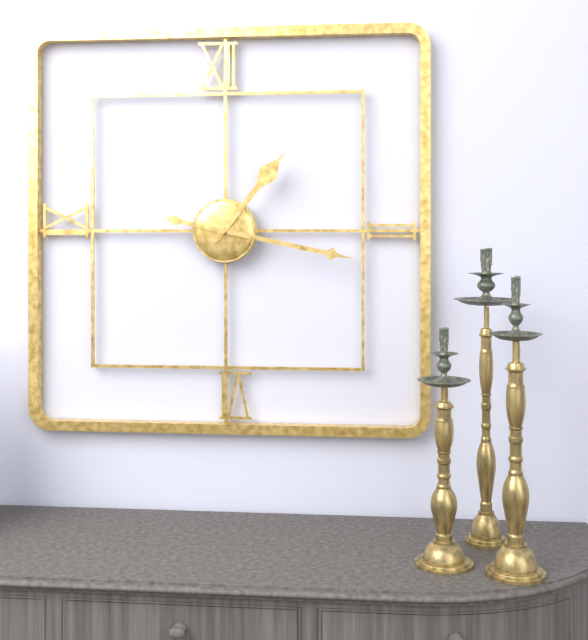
1 h 17 min
